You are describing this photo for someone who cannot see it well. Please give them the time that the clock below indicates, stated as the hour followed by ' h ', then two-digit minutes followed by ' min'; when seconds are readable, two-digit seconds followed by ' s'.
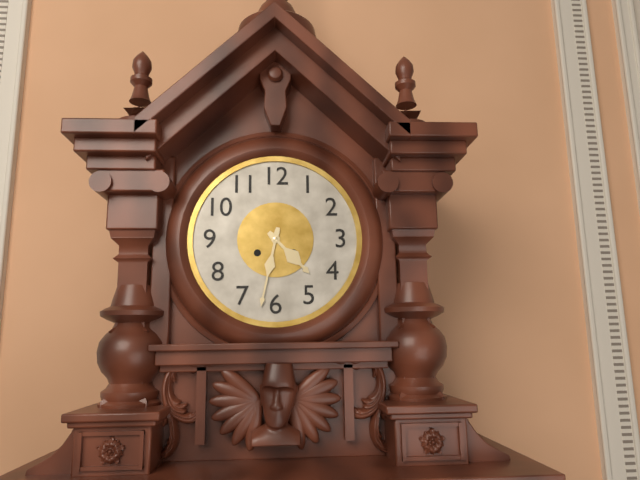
4 h 32 min
